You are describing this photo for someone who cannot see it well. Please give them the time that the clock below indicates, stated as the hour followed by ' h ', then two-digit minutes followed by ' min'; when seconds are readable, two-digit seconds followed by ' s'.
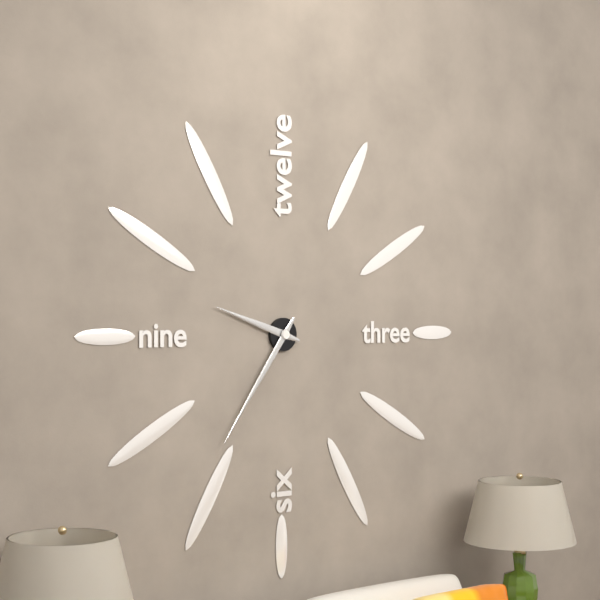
9 h 36 min
